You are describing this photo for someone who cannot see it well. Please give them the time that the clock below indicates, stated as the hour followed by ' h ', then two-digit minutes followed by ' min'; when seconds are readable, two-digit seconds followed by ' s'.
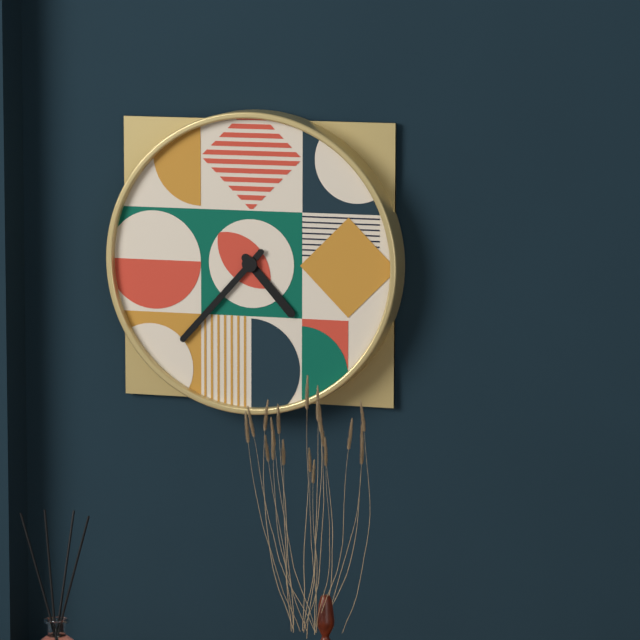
4 h 37 min
